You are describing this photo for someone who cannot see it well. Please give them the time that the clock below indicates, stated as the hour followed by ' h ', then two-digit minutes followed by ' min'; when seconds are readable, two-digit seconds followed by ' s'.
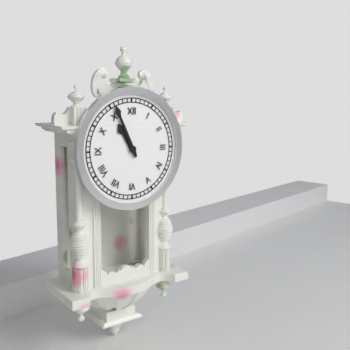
10 h 56 min
